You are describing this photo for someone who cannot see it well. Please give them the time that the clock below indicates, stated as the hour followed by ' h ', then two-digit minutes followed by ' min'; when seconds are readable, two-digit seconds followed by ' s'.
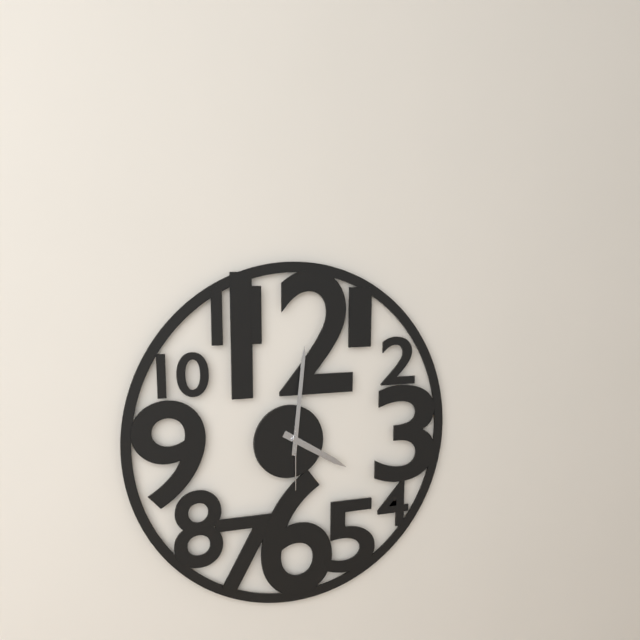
4 h 01 min 30 s
